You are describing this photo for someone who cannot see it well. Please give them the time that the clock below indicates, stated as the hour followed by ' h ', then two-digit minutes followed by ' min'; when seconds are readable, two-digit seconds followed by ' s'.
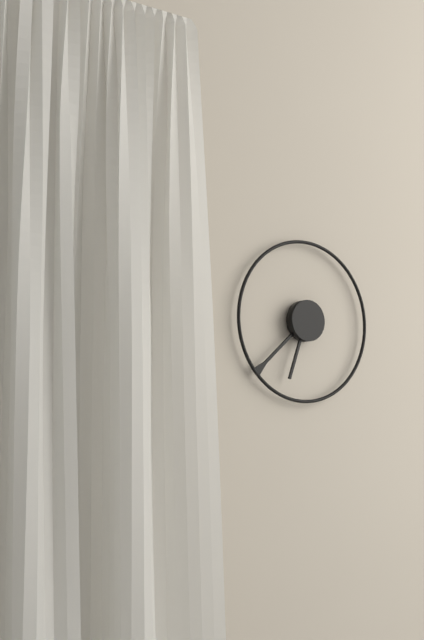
6 h 38 min
